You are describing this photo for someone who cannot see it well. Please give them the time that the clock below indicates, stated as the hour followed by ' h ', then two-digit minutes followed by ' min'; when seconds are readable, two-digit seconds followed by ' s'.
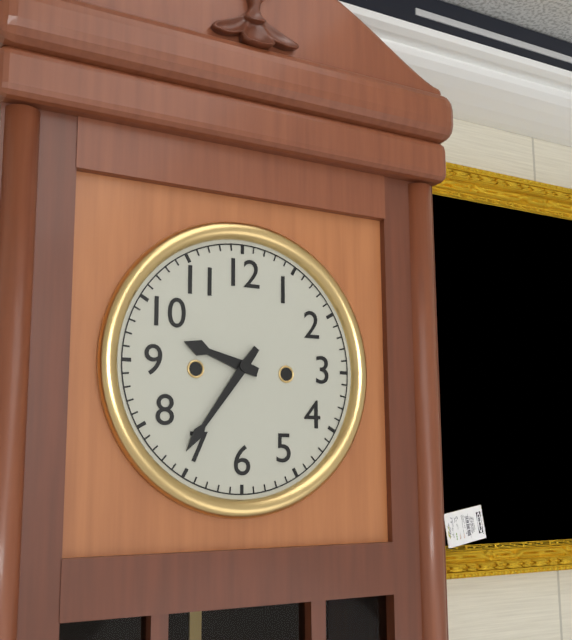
9 h 36 min
